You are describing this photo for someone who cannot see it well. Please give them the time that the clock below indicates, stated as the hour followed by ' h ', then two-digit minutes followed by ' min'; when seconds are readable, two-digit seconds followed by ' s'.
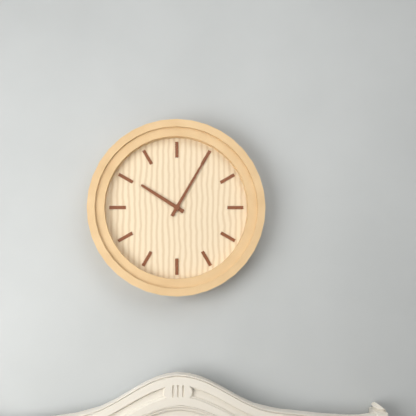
10 h 05 min
